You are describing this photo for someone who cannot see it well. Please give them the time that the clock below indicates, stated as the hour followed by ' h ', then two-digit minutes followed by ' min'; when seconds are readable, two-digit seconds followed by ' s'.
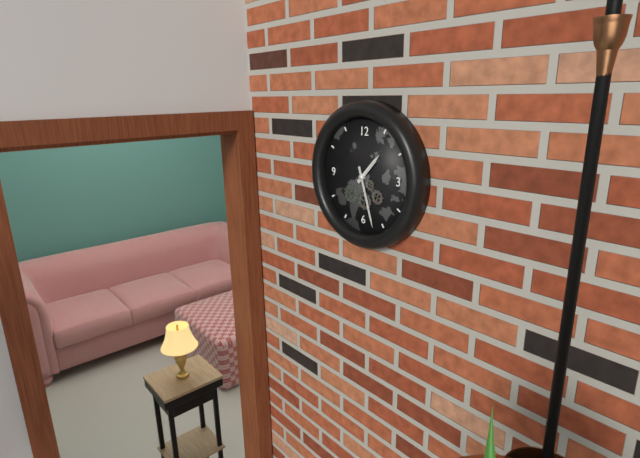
1 h 27 min
